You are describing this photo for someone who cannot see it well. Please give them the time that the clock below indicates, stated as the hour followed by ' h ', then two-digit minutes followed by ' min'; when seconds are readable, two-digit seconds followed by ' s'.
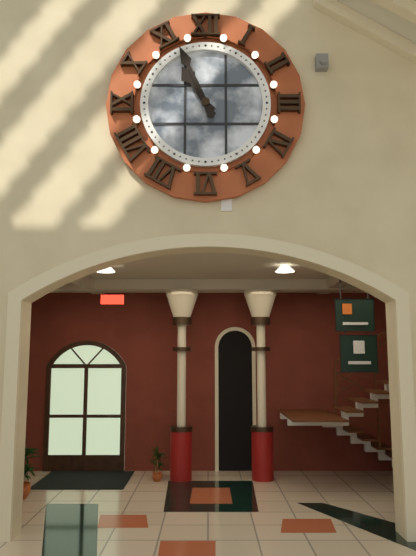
10 h 56 min
